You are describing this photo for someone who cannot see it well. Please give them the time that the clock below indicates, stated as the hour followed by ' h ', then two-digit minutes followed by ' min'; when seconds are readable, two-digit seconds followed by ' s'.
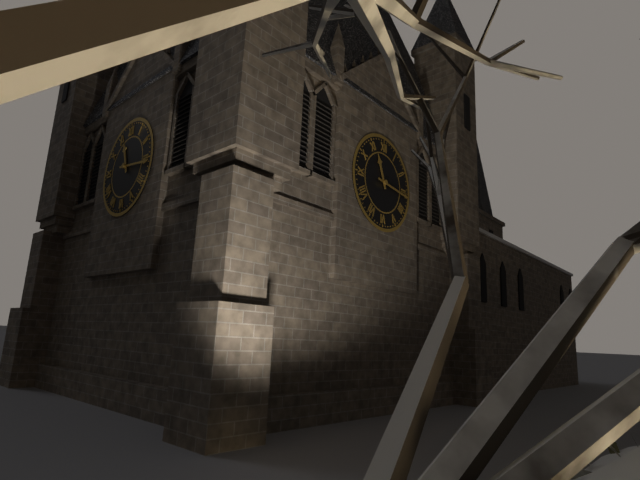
11 h 16 min
